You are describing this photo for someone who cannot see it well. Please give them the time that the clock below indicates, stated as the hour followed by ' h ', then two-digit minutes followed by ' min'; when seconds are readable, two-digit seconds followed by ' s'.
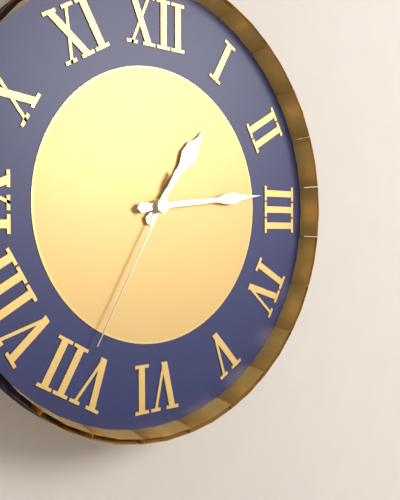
1 h 14 min 35 s
